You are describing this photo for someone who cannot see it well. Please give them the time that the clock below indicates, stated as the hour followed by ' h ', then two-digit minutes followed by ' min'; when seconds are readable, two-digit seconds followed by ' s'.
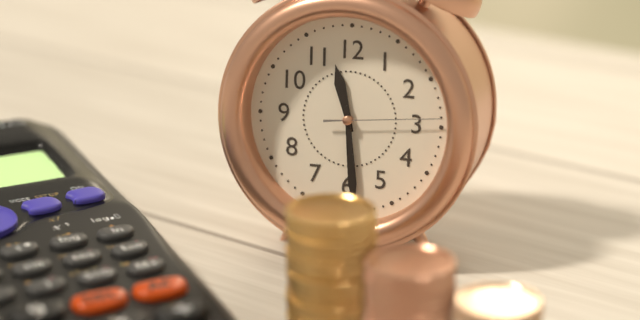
11 h 29 min 14 s
